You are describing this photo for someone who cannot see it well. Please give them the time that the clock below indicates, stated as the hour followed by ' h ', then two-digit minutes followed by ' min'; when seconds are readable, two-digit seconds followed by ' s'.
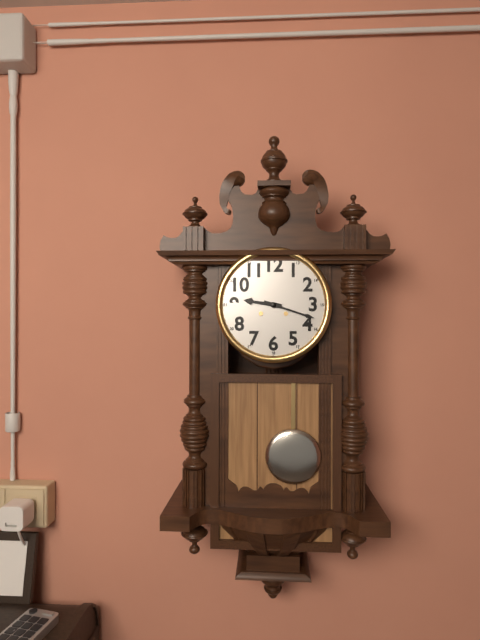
9 h 18 min
